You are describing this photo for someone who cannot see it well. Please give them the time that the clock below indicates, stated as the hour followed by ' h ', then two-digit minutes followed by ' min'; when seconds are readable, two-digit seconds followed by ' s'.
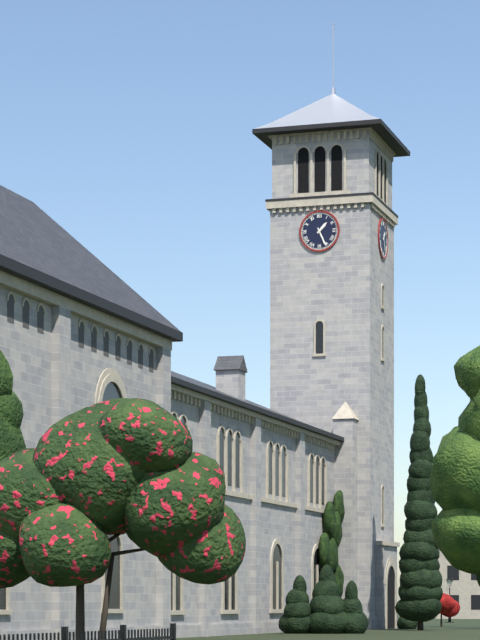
1 h 26 min
